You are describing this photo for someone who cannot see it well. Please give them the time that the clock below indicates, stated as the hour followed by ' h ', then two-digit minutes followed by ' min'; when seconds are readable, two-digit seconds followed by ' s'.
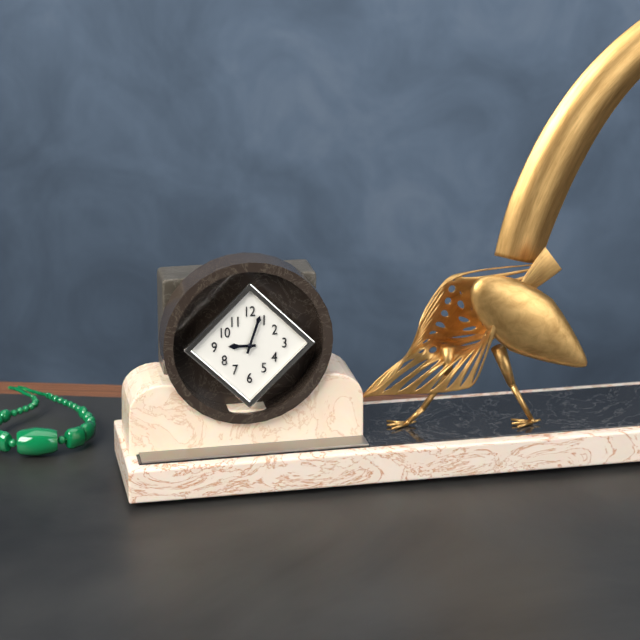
9 h 03 min
